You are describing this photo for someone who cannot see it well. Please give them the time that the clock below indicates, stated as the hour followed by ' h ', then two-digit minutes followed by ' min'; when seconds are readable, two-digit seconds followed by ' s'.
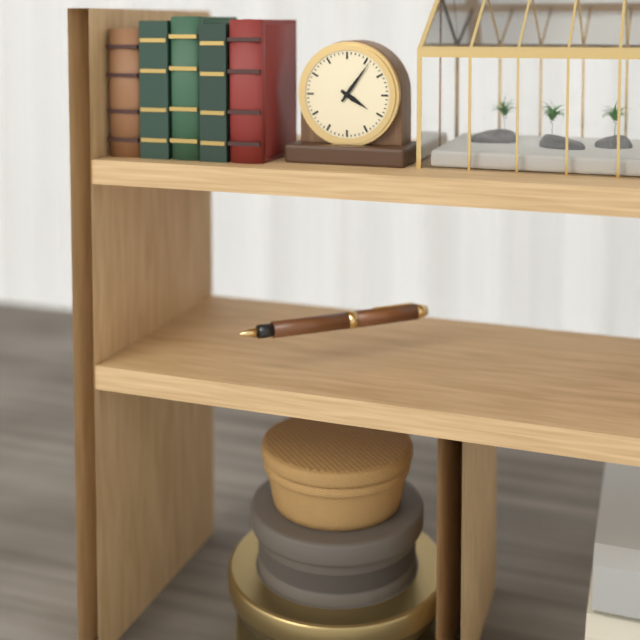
4 h 06 min
